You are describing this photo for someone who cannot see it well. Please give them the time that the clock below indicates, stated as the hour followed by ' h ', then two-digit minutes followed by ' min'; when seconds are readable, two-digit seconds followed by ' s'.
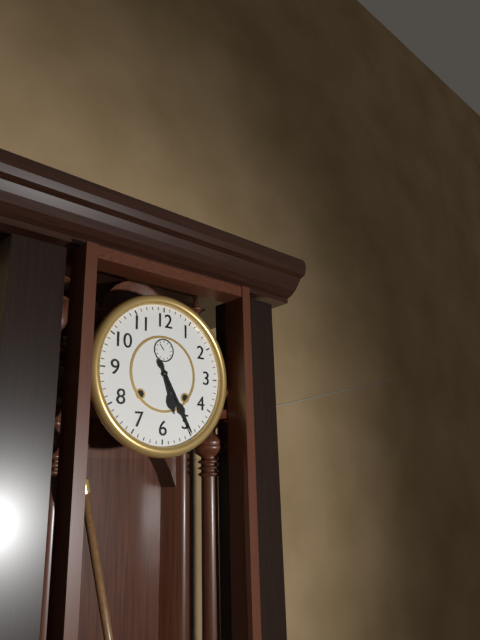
5 h 25 min
